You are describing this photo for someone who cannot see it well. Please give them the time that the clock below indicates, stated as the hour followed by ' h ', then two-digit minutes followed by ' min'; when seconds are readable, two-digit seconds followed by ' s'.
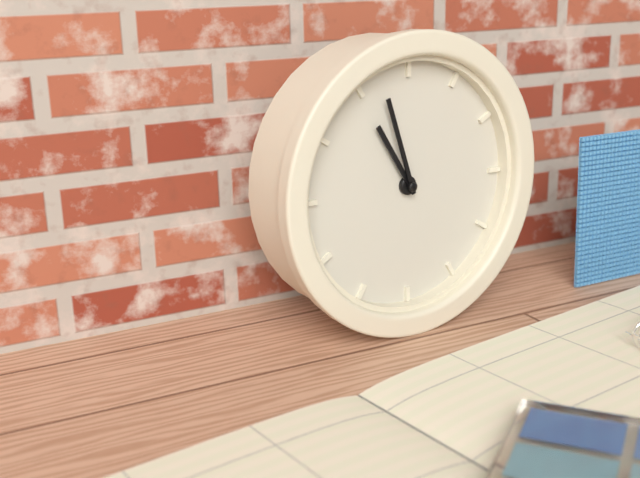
10 h 57 min
